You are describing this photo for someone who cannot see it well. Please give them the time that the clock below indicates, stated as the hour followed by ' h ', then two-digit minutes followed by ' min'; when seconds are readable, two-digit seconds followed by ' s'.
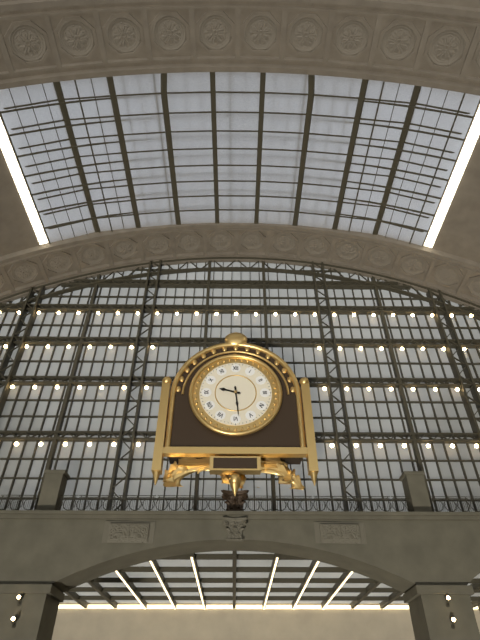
9 h 29 min
